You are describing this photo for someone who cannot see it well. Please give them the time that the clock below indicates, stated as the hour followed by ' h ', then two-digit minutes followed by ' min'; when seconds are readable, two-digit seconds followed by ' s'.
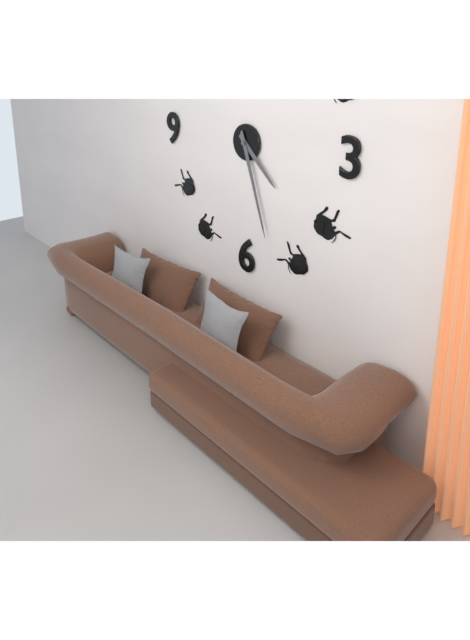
4 h 27 min
